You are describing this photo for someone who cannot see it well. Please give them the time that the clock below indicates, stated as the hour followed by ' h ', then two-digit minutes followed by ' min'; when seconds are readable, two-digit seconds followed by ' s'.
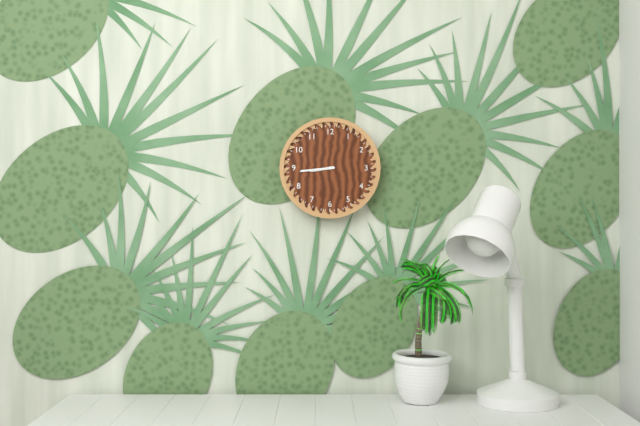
8 h 44 min
